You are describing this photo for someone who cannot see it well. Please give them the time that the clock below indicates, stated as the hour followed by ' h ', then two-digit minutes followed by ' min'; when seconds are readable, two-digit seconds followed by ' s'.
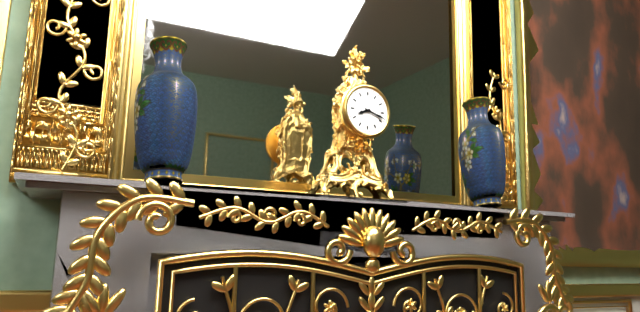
8 h 18 min
